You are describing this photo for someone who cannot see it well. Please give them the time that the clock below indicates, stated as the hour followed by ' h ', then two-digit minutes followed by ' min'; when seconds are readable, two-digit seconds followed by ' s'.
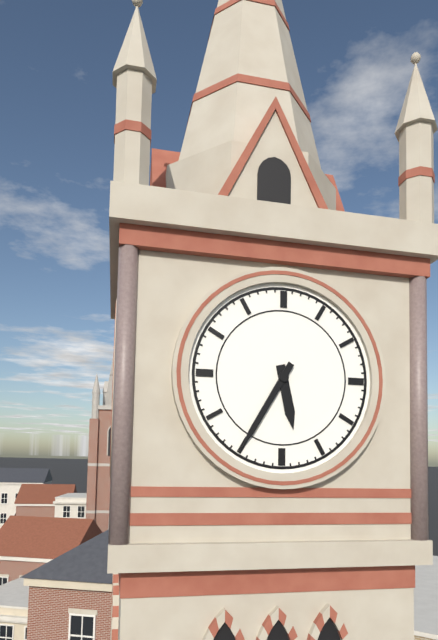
5 h 35 min
